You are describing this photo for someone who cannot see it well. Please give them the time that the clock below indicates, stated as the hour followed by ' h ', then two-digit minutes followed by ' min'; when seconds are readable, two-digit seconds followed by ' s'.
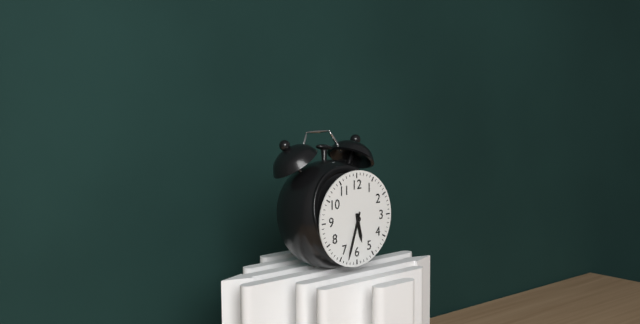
5 h 33 min
